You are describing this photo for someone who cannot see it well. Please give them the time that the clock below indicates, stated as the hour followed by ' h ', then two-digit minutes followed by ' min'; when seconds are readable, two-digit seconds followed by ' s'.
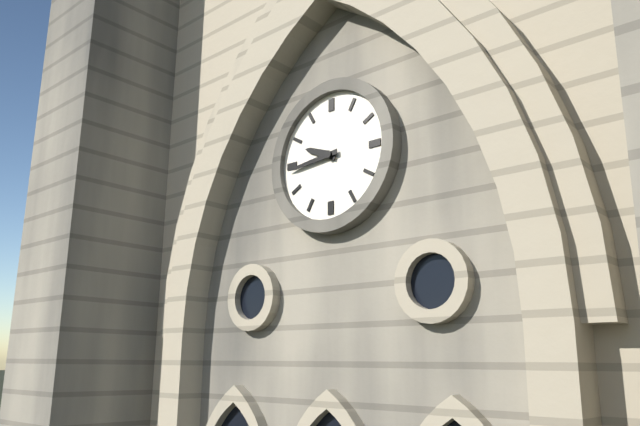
9 h 44 min
